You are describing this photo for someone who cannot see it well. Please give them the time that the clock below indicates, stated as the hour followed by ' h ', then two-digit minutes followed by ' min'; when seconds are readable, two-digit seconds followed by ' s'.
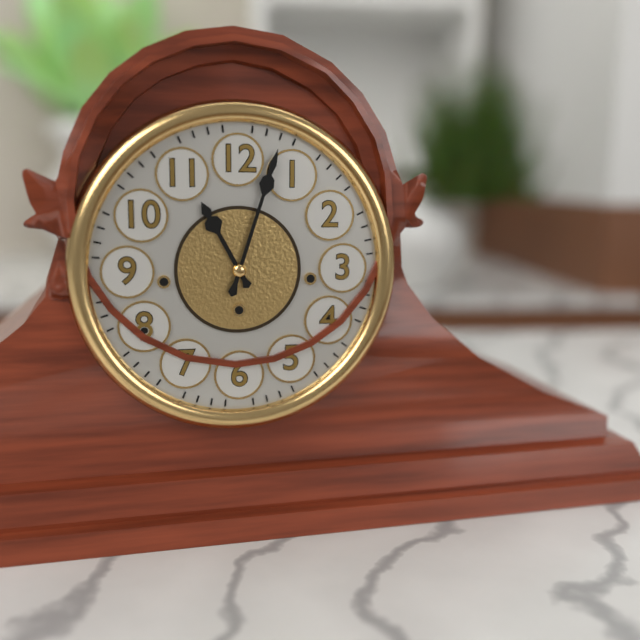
11 h 03 min
